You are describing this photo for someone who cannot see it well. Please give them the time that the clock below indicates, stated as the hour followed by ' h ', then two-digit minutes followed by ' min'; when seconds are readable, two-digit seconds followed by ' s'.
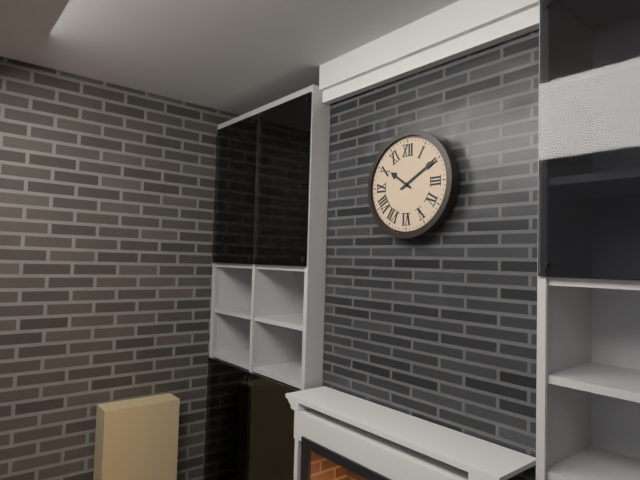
10 h 10 min
